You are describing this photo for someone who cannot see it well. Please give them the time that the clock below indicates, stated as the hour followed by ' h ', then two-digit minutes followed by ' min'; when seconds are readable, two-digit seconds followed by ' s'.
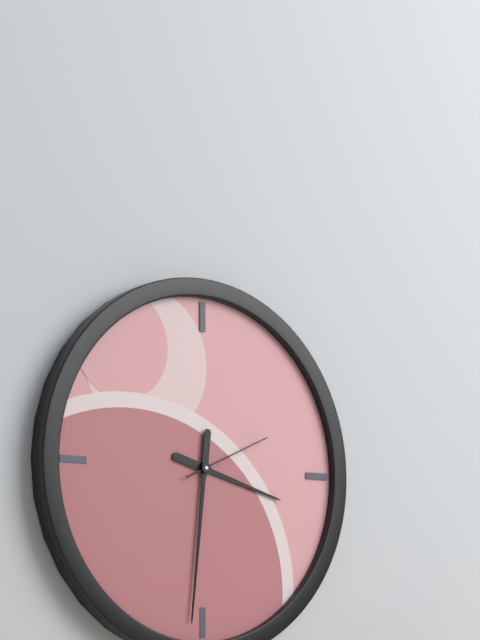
3 h 31 min 11 s
